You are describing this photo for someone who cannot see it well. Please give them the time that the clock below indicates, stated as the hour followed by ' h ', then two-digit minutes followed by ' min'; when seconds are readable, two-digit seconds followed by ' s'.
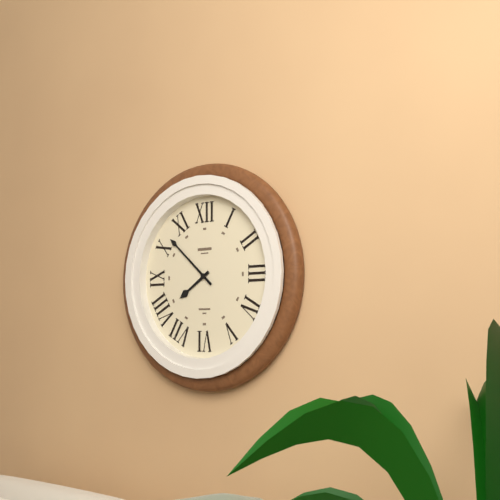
7 h 52 min
